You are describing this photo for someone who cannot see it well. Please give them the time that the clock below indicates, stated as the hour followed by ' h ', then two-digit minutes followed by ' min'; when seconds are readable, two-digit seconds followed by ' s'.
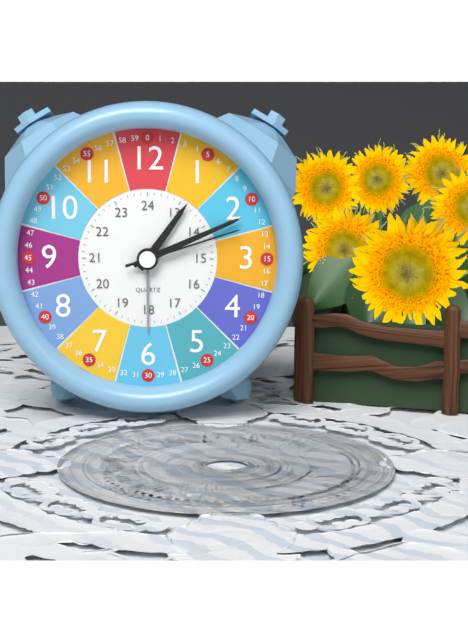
1 h 11 min 12 s
